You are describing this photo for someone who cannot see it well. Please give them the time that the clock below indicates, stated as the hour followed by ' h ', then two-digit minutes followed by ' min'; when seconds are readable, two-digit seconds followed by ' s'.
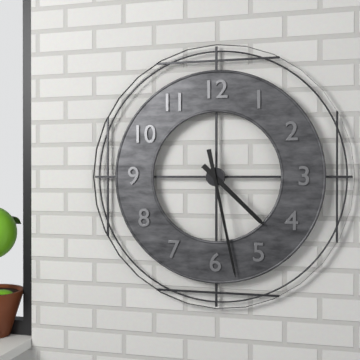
4 h 28 min
